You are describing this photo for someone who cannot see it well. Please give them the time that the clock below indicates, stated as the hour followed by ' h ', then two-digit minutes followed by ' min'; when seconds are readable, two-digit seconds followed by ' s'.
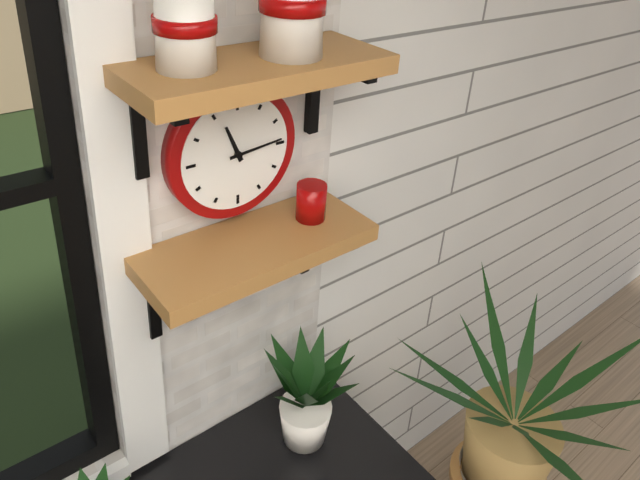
11 h 14 min
